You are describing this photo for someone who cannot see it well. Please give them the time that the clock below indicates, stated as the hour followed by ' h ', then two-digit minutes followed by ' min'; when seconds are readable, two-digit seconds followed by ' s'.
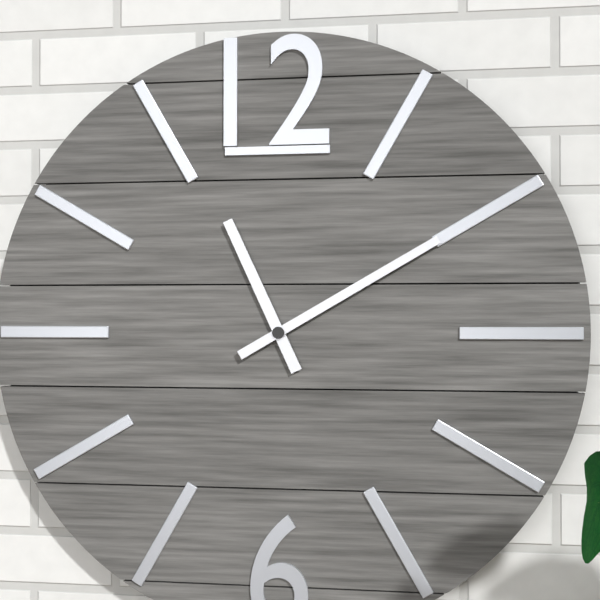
11 h 10 min
